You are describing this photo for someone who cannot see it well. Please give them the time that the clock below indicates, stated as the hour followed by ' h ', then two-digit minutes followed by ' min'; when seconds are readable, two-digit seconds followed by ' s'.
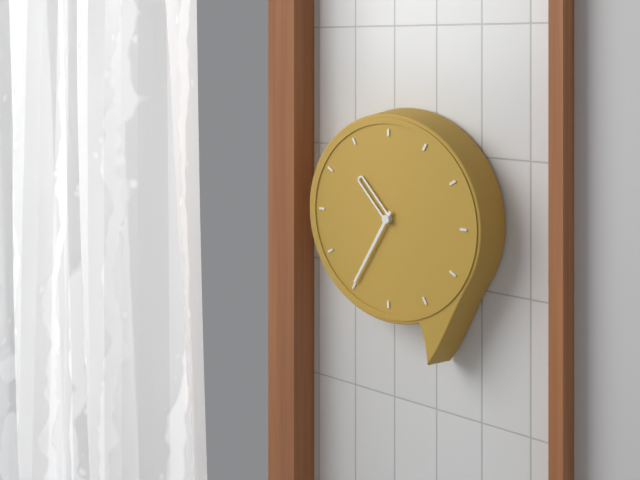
10 h 35 min
